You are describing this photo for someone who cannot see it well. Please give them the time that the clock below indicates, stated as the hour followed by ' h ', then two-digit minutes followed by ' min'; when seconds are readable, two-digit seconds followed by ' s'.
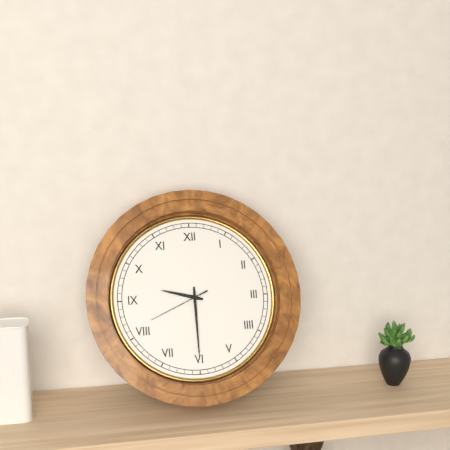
9 h 30 min 41 s
